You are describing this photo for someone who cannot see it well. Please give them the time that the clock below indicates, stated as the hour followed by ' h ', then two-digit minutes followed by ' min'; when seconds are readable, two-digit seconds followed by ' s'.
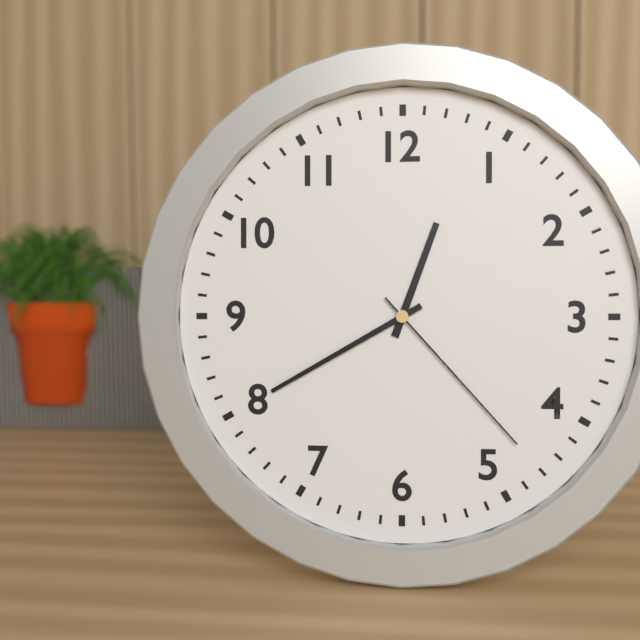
12 h 40 min 23 s
